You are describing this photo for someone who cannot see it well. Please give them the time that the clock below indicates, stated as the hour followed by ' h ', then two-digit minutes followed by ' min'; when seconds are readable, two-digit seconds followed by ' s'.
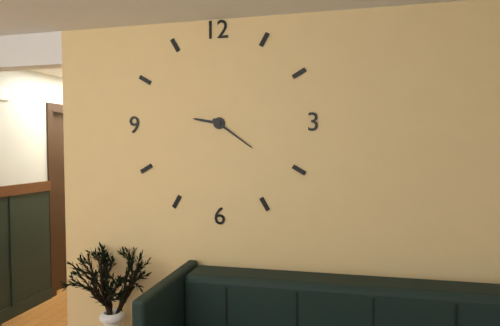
9 h 21 min
